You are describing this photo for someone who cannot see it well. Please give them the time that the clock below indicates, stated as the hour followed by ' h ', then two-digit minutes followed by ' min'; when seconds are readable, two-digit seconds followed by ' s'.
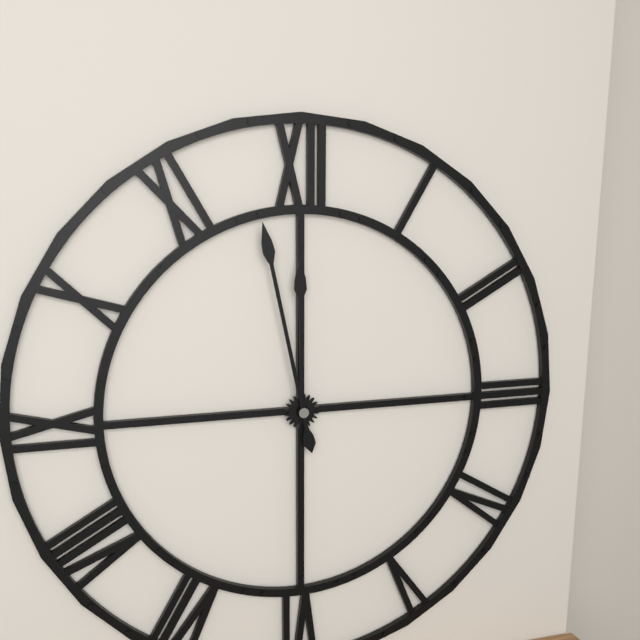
11 h 58 min
